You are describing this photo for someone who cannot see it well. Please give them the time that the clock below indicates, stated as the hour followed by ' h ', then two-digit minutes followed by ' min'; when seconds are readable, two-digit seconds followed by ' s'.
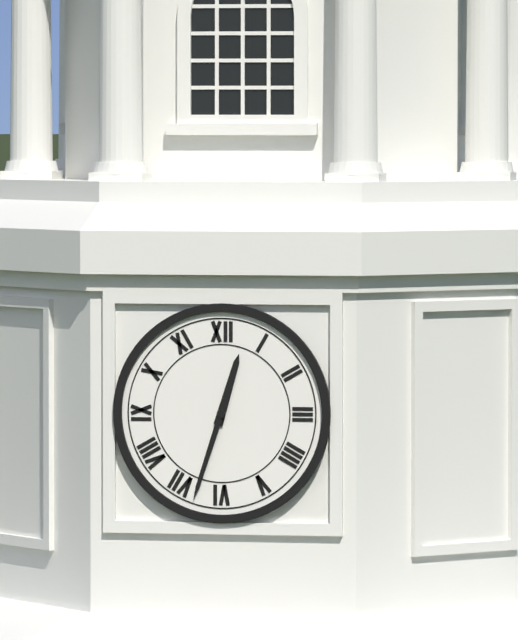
12 h 33 min
